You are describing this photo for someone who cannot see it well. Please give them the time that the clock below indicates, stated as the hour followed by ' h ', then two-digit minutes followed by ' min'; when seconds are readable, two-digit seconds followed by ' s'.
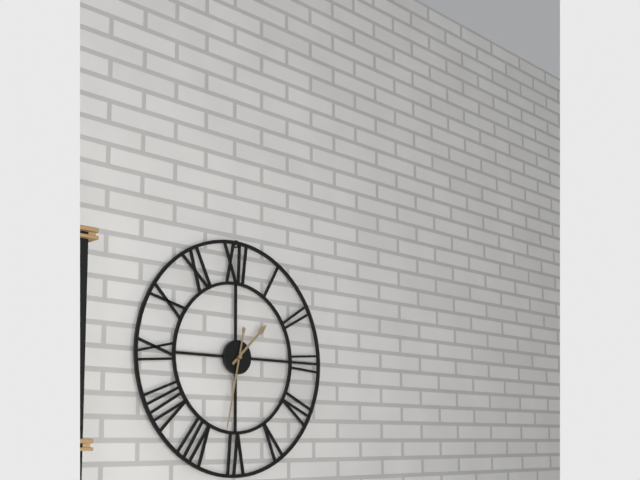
1 h 32 min
